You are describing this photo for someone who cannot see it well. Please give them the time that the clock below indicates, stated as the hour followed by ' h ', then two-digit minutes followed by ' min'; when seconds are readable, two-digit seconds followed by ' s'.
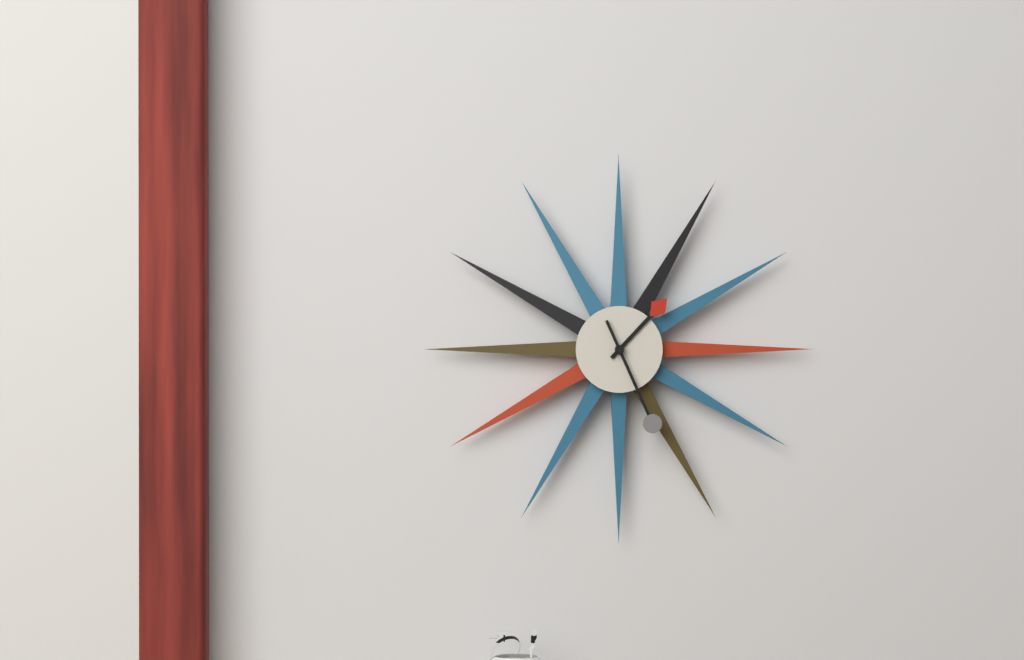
1 h 26 min
